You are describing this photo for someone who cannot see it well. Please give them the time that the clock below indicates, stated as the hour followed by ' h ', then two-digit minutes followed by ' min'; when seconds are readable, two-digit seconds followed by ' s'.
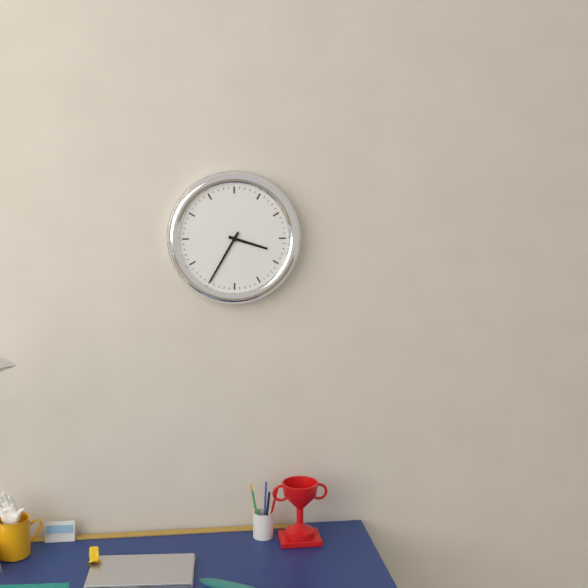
3 h 35 min
